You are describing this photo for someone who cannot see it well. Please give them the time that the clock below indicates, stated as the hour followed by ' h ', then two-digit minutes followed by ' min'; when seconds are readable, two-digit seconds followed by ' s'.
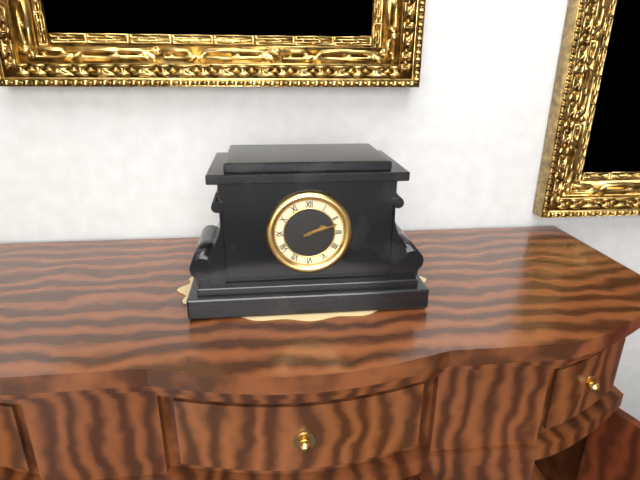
2 h 12 min
